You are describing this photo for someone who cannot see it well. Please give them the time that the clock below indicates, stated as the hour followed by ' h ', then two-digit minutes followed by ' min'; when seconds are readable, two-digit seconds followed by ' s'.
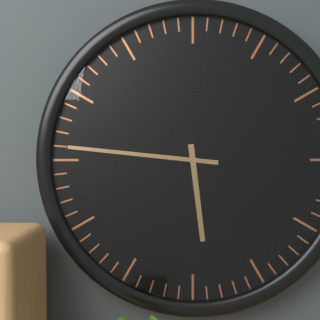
5 h 46 min
